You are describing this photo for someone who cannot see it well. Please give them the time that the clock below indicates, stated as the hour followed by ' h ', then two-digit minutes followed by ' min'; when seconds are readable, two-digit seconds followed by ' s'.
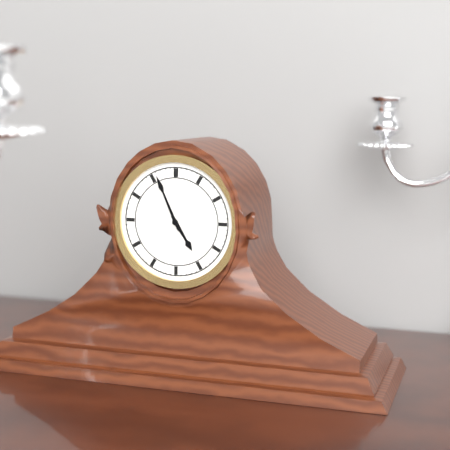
4 h 56 min
